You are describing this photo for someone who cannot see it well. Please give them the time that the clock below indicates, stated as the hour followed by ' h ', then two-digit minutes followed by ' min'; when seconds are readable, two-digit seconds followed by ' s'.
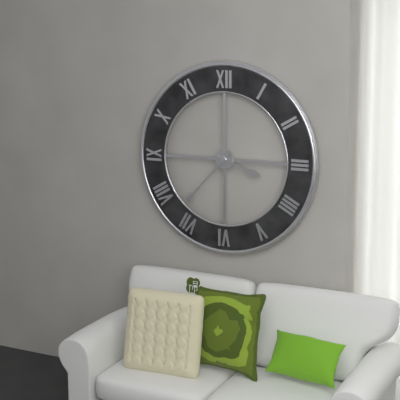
3 h 37 min
